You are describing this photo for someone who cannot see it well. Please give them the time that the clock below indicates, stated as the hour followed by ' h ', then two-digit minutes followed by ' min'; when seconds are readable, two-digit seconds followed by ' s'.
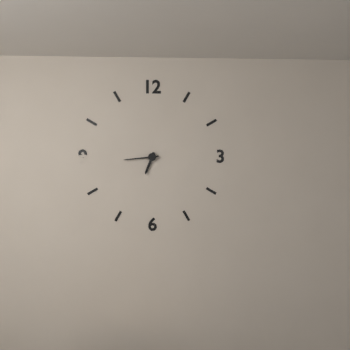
6 h 44 min
